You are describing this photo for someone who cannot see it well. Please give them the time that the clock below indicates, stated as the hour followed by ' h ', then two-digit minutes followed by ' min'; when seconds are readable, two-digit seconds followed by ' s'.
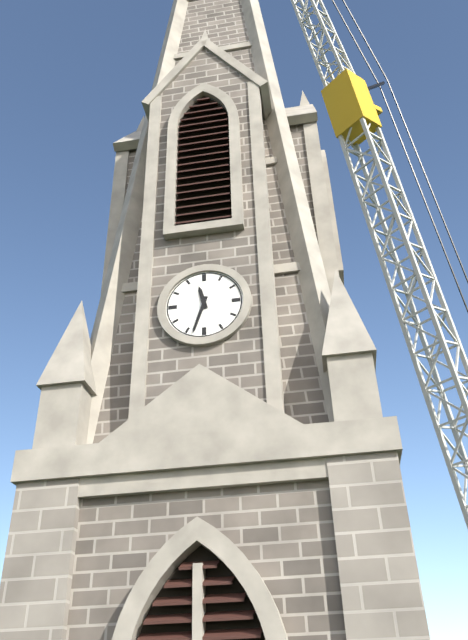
11 h 33 min
